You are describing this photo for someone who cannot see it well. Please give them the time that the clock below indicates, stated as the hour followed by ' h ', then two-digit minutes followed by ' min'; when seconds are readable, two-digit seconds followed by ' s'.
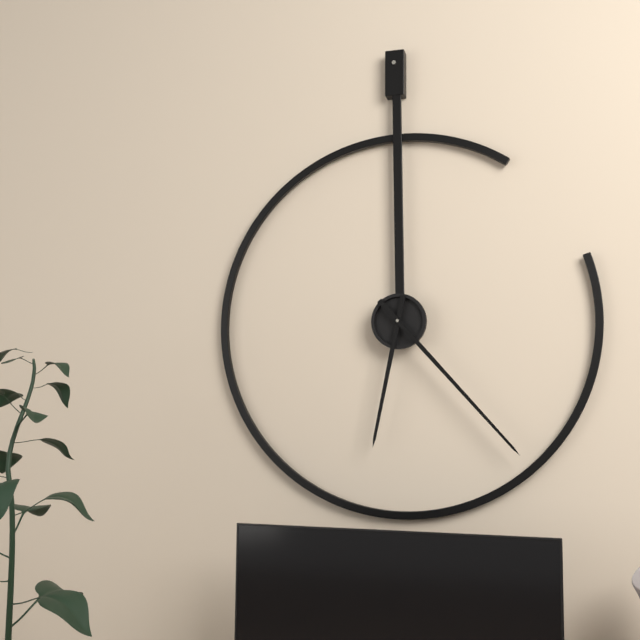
6 h 23 min
